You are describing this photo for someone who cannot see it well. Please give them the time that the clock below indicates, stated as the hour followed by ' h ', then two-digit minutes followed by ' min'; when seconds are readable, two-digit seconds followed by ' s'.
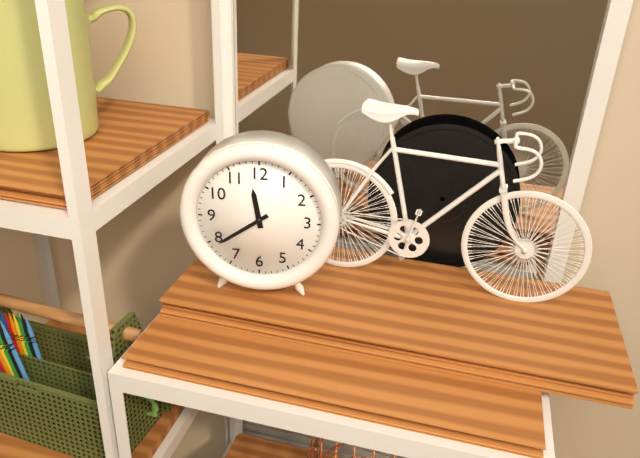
11 h 39 min
